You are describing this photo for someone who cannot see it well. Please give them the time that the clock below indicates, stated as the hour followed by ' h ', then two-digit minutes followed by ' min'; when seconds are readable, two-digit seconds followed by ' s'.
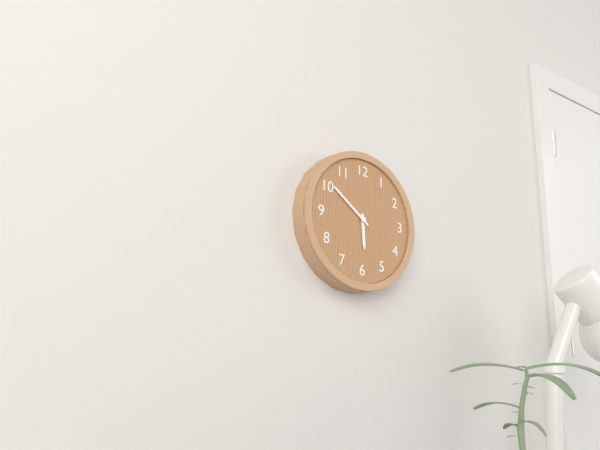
5 h 51 min
